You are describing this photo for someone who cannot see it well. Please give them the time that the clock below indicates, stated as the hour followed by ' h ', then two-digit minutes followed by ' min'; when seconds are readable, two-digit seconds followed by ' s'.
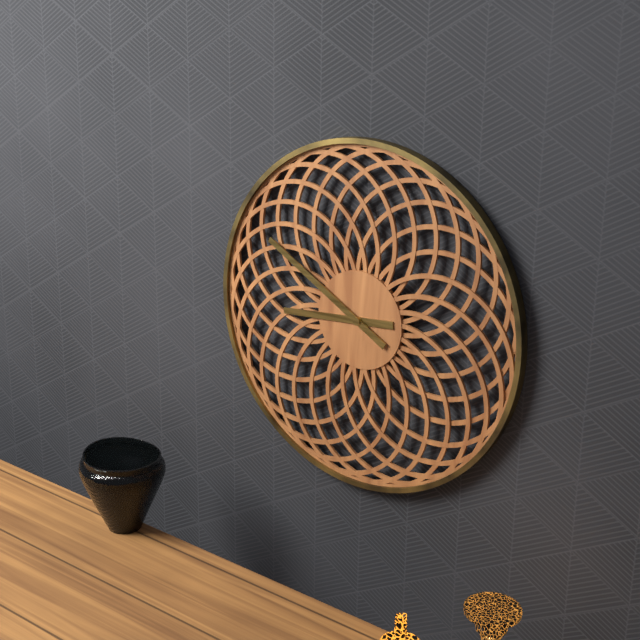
8 h 50 min
